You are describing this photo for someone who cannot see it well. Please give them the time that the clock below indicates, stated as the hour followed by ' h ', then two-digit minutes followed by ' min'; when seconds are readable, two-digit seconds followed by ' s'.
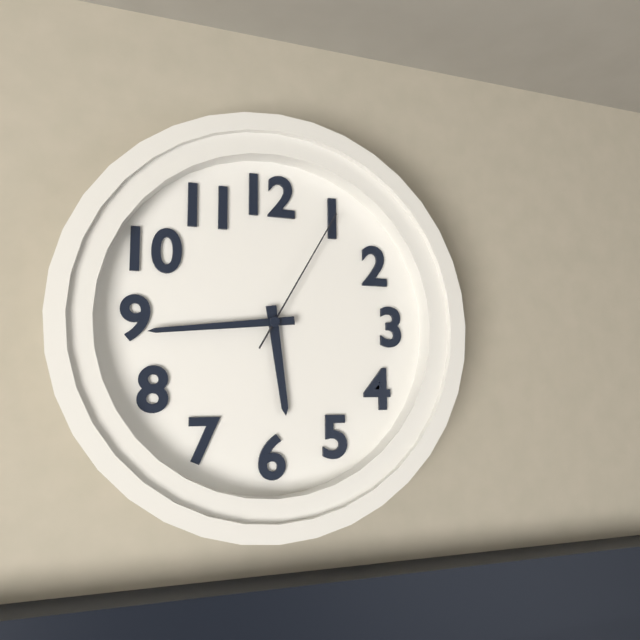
5 h 44 min 05 s
